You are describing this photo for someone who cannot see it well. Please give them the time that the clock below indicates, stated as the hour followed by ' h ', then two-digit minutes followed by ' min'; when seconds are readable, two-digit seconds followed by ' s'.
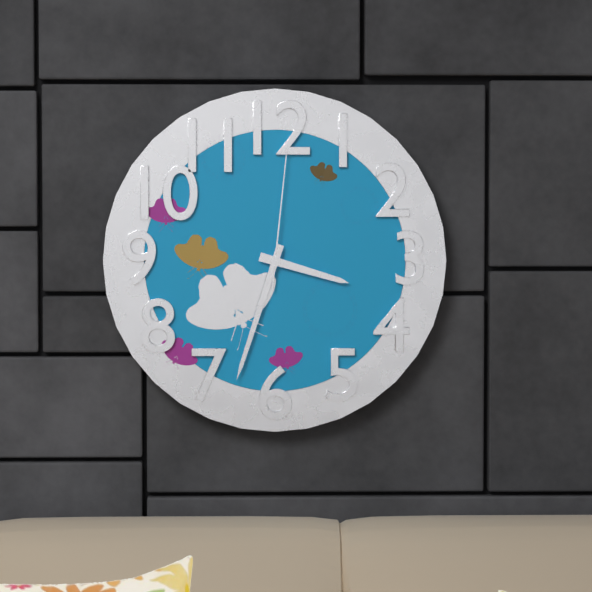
3 h 33 min 01 s
